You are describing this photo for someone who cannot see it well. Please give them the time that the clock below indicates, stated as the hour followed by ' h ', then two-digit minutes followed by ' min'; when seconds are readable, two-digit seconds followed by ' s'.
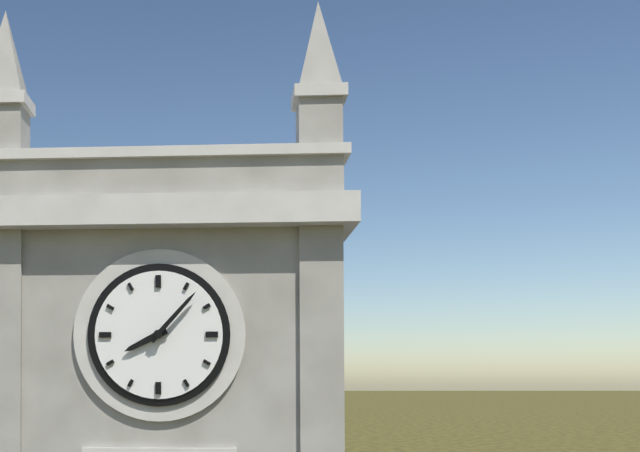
8 h 07 min
